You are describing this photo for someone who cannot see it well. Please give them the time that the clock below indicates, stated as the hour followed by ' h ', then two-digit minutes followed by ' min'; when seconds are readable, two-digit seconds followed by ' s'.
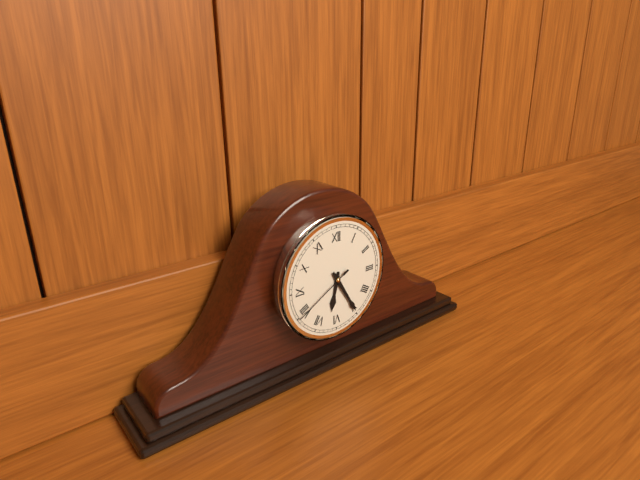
6 h 25 min 40 s
